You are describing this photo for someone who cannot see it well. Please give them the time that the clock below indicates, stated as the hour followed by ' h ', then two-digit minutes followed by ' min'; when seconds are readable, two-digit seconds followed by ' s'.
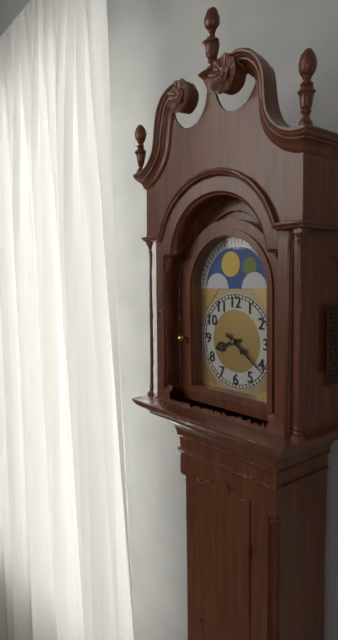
8 h 21 min
